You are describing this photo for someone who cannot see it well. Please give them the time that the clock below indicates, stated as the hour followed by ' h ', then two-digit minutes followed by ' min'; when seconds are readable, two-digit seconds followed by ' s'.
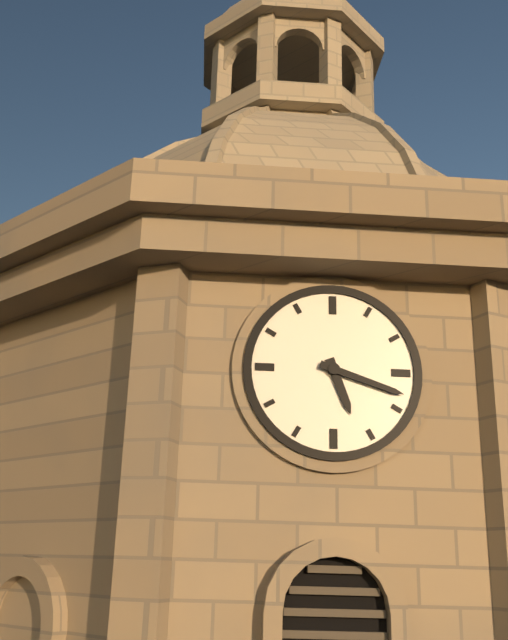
5 h 18 min
